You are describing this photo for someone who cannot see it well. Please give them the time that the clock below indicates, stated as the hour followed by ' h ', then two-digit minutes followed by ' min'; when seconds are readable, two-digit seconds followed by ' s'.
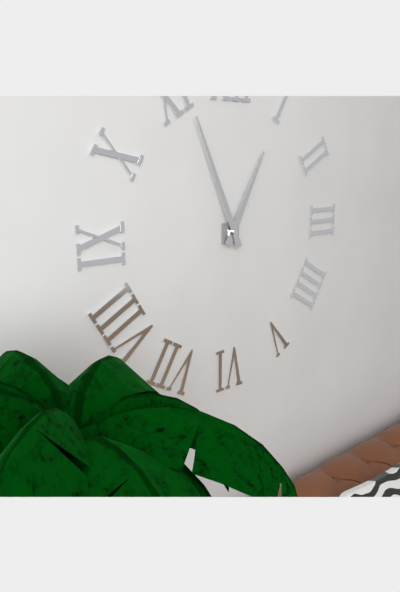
12 h 56 min
